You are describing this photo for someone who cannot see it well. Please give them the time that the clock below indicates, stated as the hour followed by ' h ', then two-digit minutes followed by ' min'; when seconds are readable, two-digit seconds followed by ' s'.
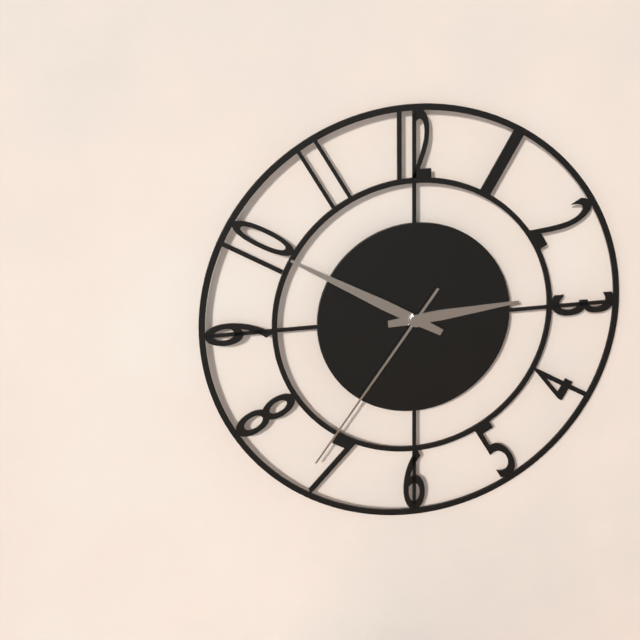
2 h 50 min 36 s
